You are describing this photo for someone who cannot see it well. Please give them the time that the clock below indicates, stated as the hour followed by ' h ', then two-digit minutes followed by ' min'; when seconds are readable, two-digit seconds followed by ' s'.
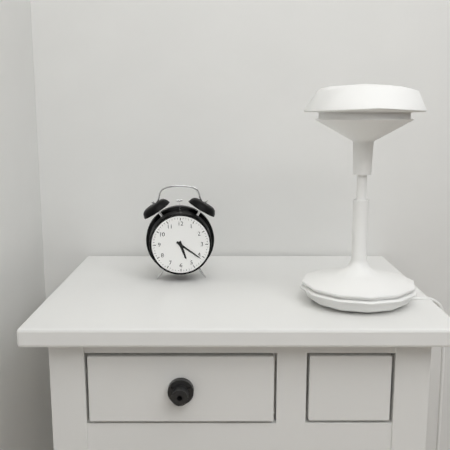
5 h 21 min
